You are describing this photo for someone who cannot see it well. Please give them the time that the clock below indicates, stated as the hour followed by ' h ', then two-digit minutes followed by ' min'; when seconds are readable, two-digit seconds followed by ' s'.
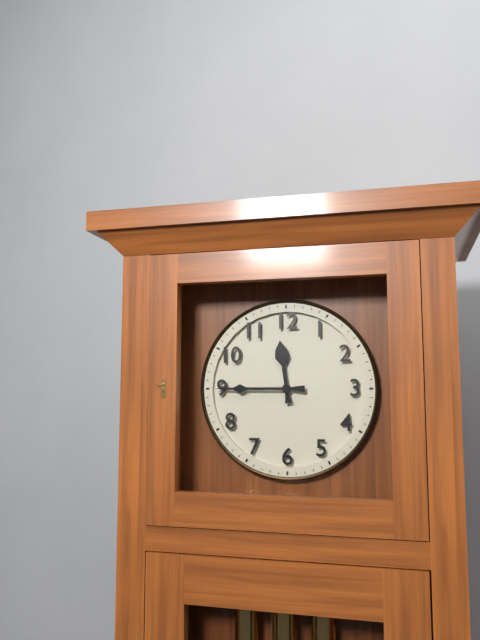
11 h 45 min
